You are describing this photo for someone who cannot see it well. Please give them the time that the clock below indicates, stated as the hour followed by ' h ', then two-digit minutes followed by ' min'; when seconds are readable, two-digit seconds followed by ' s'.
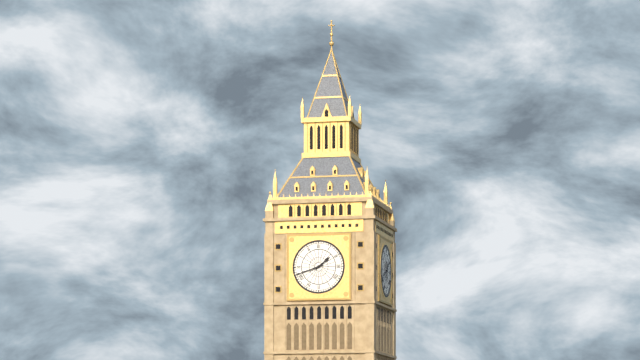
1 h 42 min
